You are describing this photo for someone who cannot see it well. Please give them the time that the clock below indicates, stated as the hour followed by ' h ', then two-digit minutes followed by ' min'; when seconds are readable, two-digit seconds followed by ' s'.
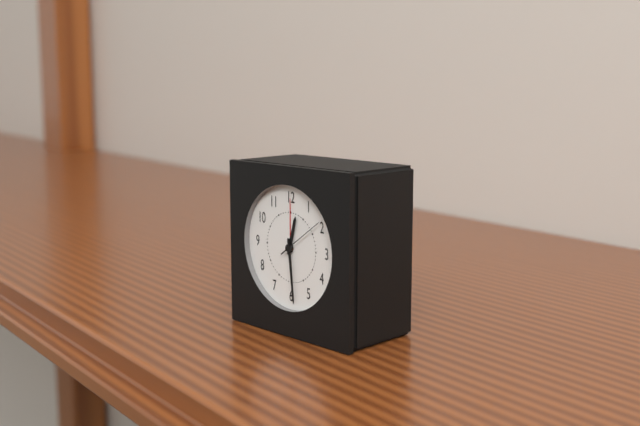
12 h 29 min
